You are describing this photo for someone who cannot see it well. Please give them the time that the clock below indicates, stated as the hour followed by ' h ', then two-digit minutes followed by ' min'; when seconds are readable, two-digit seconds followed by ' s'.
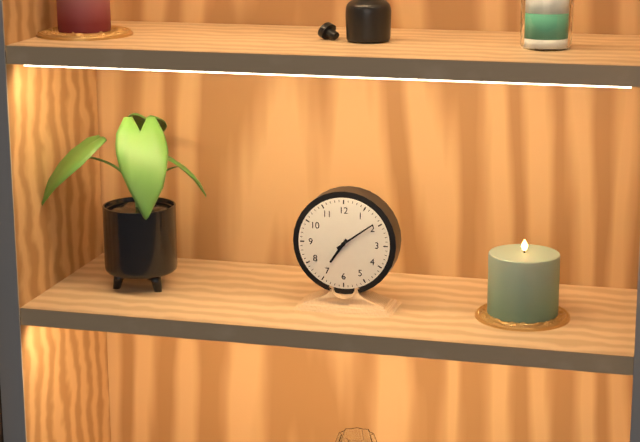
7 h 09 min
